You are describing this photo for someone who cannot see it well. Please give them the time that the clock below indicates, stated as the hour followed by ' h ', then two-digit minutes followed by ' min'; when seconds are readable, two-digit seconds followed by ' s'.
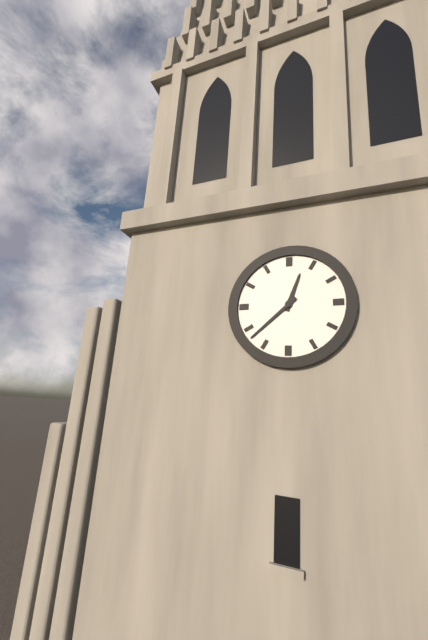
12 h 38 min
